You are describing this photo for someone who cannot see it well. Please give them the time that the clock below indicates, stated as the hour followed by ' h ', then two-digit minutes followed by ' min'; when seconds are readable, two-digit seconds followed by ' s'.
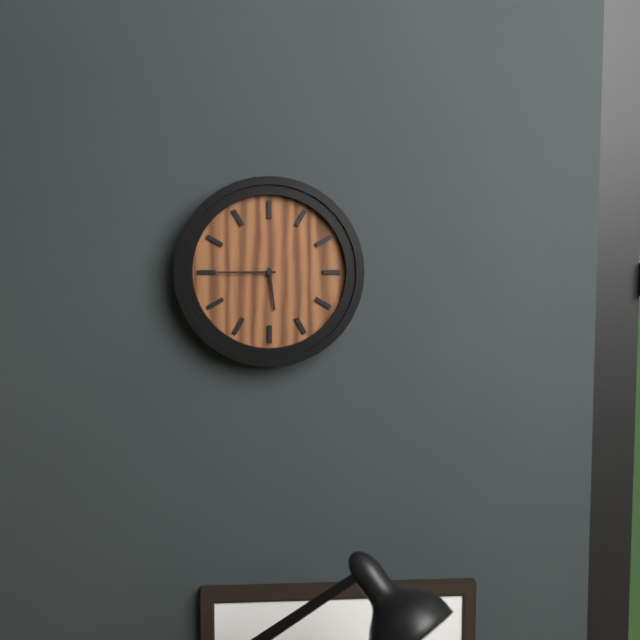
5 h 45 min
